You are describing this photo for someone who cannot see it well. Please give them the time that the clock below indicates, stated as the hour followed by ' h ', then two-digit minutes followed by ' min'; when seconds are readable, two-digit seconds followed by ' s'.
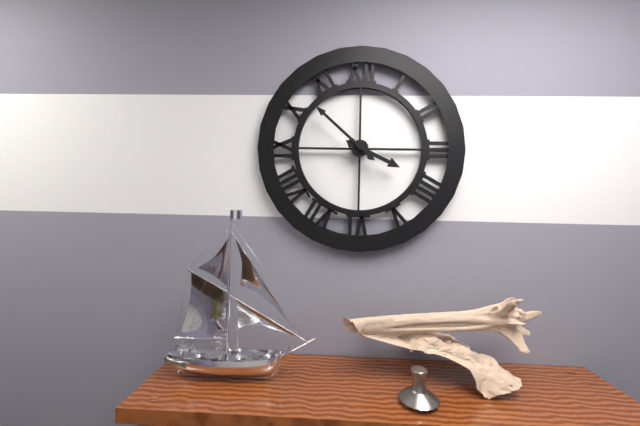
3 h 52 min
